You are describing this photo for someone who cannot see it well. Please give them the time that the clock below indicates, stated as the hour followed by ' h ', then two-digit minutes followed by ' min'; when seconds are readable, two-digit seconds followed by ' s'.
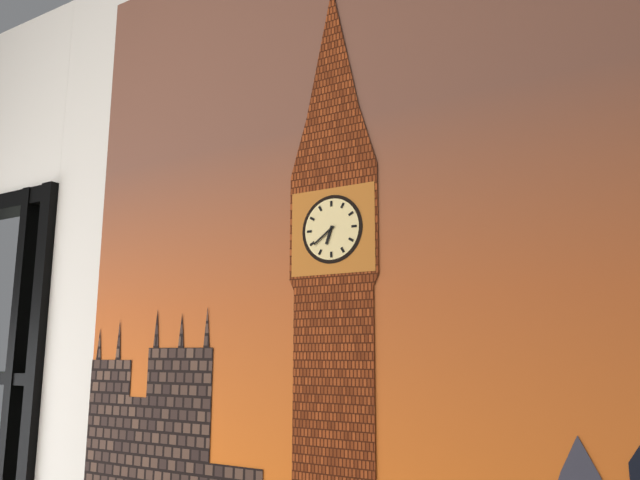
6 h 39 min
